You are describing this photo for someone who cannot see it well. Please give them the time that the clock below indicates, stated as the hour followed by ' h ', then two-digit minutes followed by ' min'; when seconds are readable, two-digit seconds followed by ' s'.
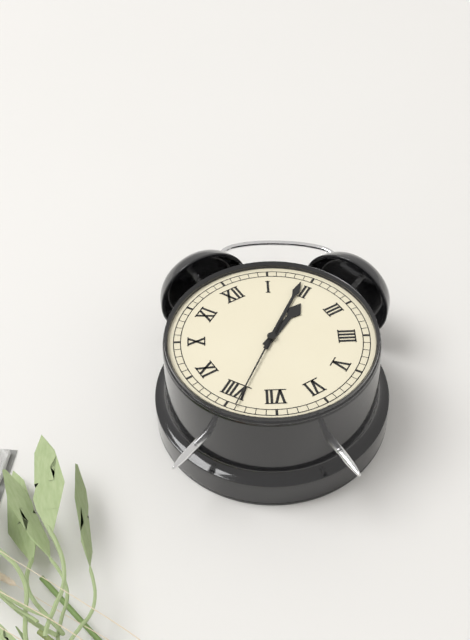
2 h 09 min 39 s
